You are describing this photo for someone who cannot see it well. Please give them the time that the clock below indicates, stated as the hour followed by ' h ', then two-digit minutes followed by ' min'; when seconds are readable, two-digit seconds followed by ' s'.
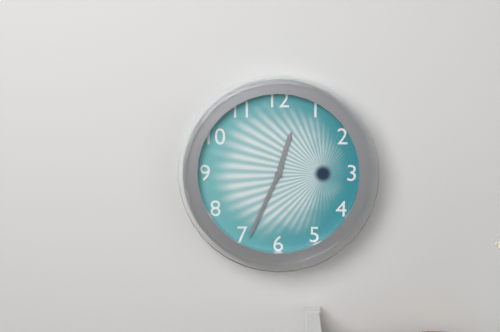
12 h 34 min
